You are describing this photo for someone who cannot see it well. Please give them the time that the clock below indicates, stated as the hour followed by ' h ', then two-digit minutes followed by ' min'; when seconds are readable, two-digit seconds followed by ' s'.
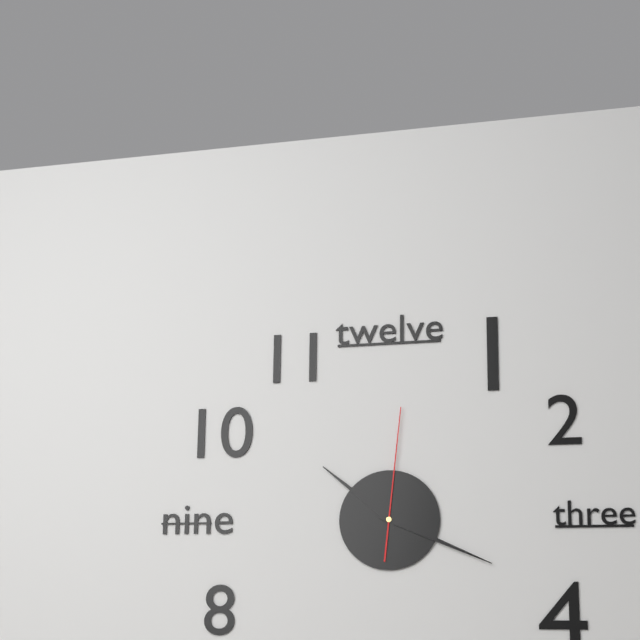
10 h 19 min 01 s
